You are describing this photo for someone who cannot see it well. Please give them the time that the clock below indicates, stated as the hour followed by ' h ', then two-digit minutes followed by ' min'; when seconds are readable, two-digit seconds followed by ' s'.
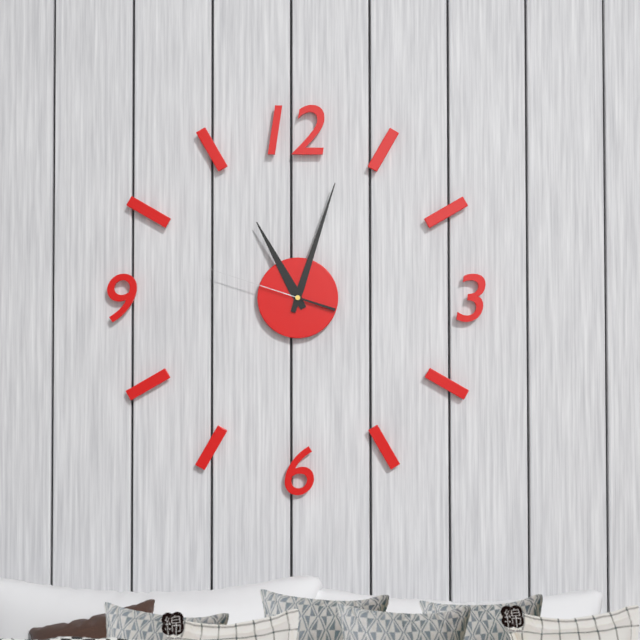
11 h 03 min 48 s
